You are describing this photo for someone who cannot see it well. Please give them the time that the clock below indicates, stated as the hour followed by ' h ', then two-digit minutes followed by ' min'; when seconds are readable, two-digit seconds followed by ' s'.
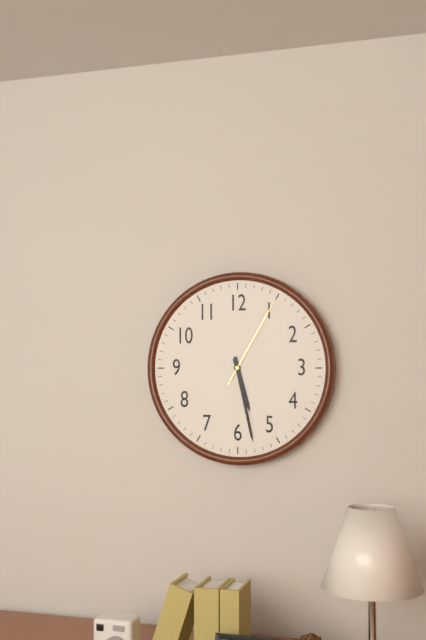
5 h 28 min 05 s
